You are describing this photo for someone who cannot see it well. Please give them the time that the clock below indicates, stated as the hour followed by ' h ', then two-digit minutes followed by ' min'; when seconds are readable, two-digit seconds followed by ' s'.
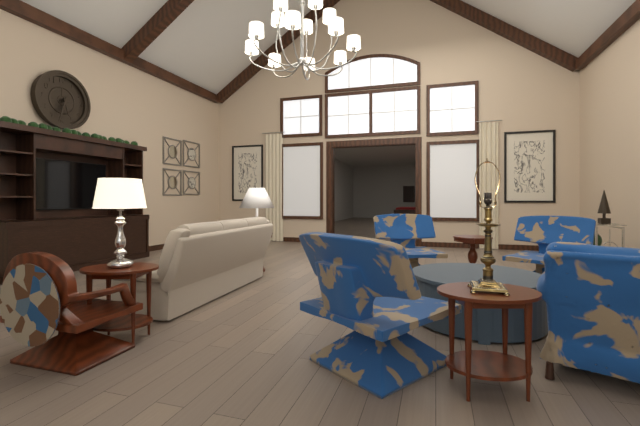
5 h 33 min
